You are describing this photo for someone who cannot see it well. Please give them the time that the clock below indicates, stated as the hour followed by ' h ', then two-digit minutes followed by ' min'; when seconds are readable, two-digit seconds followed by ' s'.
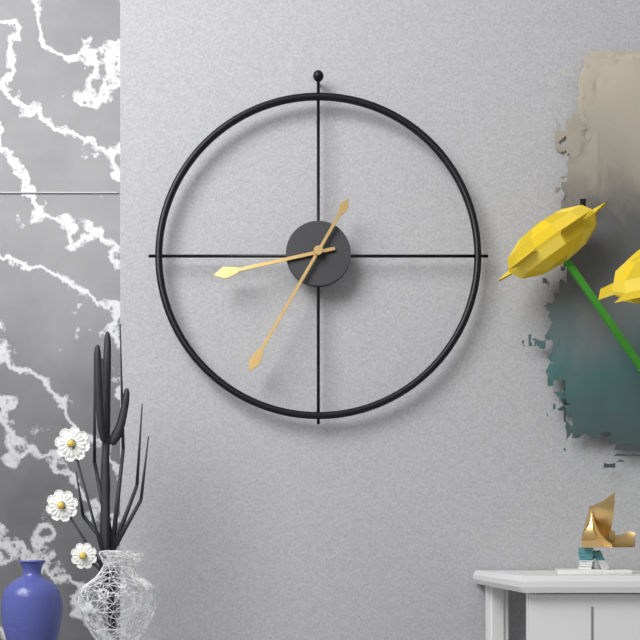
8 h 35 min
